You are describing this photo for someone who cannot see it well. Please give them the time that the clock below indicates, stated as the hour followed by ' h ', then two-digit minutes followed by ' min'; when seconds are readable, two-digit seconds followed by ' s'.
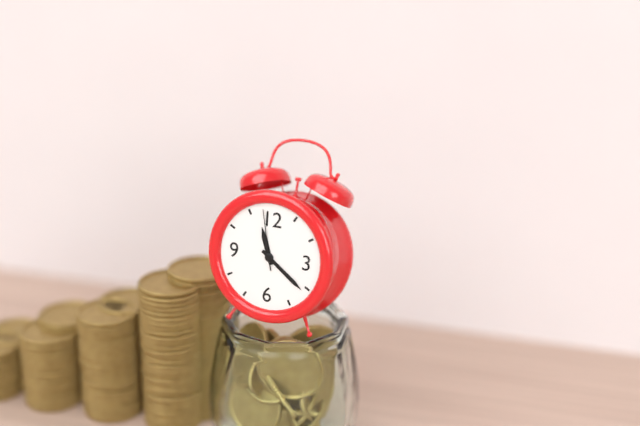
11 h 21 min 58 s
